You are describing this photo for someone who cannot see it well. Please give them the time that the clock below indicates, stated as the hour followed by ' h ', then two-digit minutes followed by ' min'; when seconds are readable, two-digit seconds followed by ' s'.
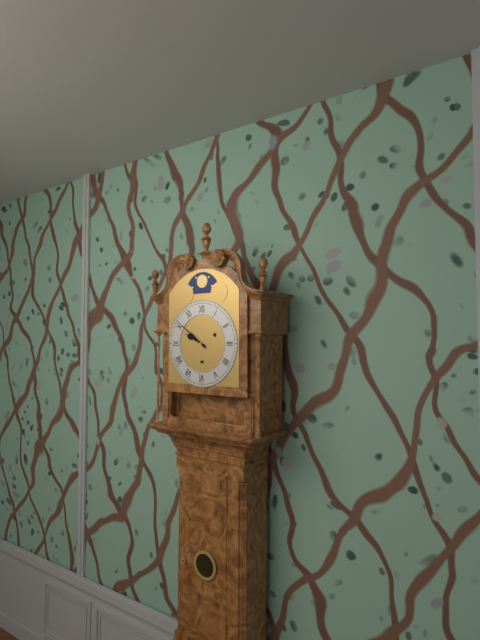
9 h 51 min
